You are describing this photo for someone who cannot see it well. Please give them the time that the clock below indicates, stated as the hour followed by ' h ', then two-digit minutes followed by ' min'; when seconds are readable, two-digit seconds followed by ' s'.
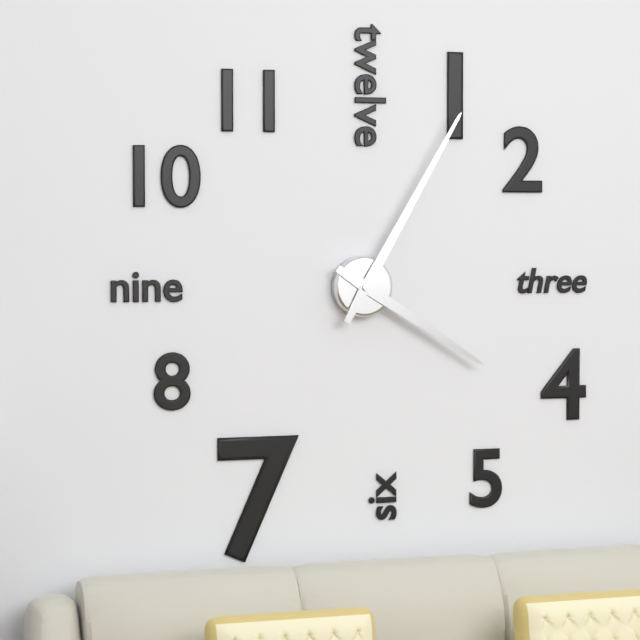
4 h 05 min
